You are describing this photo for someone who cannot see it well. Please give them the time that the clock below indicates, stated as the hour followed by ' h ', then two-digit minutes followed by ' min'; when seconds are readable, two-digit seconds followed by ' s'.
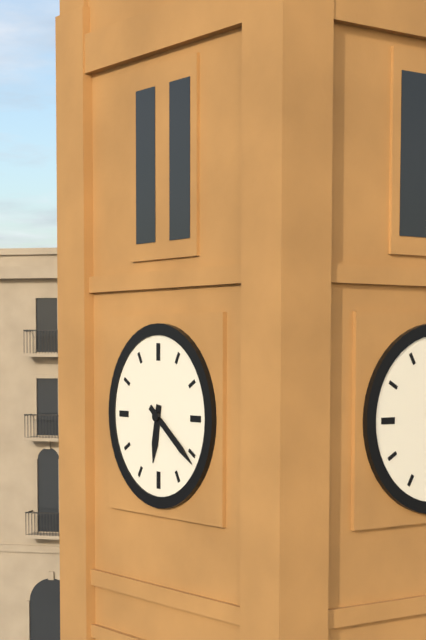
6 h 21 min
